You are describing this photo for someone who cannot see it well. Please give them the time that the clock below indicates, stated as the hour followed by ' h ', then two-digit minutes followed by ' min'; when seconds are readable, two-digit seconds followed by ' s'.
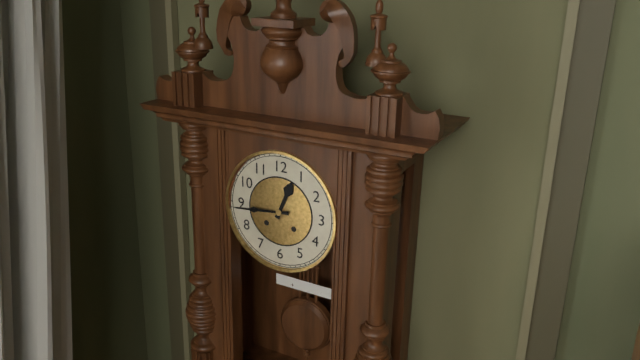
12 h 44 min
